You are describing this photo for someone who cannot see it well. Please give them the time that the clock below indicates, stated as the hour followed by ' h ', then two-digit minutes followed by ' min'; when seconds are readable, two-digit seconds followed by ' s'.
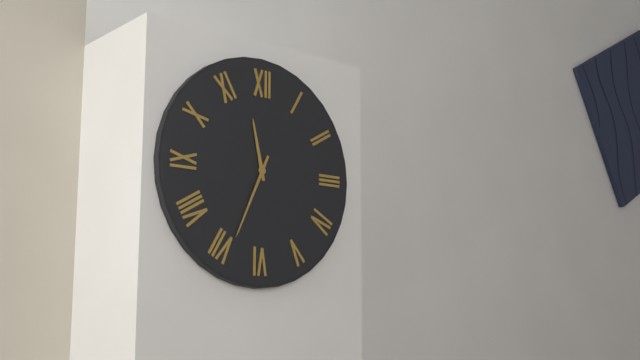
11 h 34 min
